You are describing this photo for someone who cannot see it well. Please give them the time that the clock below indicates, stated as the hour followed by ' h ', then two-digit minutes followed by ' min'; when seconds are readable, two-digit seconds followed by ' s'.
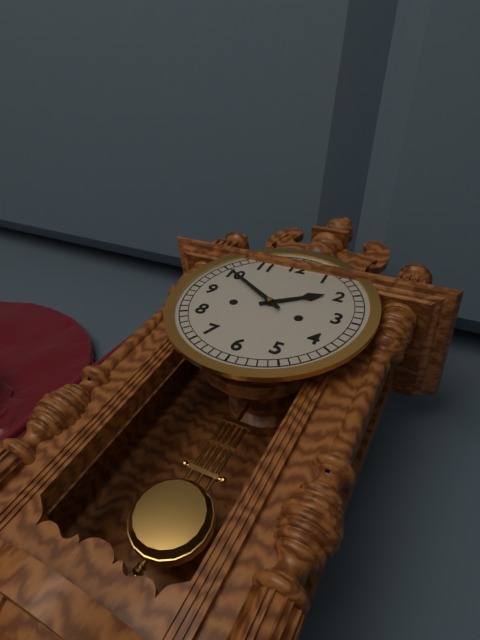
1 h 50 min
